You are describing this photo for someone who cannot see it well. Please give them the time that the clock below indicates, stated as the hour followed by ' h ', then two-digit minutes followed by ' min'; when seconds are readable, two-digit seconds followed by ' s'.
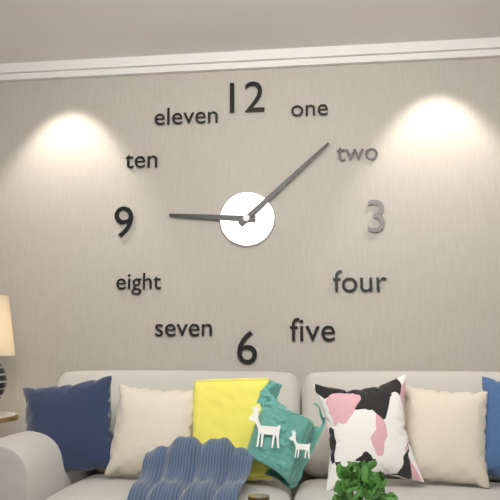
9 h 08 min
